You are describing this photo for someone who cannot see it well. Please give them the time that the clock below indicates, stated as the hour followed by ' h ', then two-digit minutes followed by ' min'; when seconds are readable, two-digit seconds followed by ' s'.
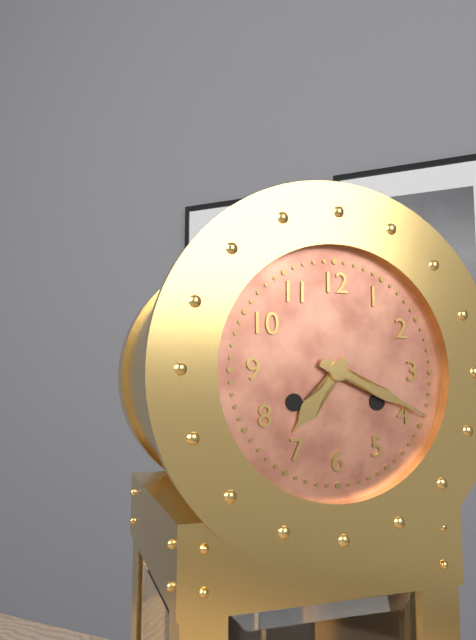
7 h 19 min
